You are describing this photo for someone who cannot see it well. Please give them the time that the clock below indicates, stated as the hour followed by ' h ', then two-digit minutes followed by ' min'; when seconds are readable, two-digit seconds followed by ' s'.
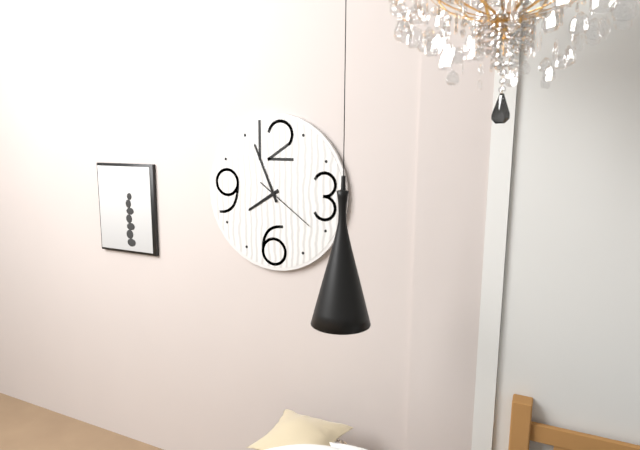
7 h 56 min 21 s
